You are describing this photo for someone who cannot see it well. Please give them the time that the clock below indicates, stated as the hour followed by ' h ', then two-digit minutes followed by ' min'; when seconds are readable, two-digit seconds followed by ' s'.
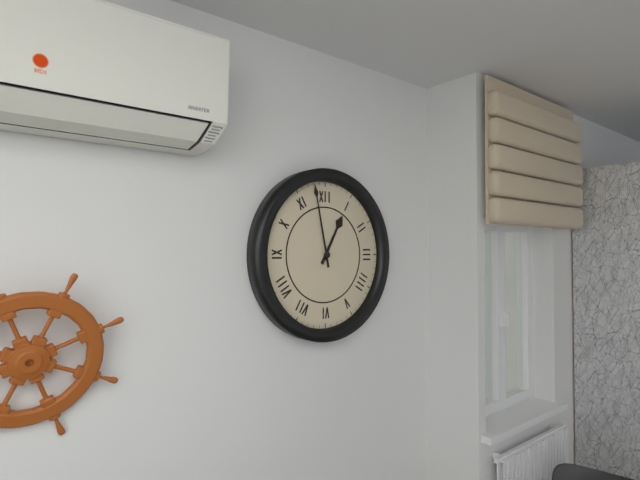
12 h 58 min
